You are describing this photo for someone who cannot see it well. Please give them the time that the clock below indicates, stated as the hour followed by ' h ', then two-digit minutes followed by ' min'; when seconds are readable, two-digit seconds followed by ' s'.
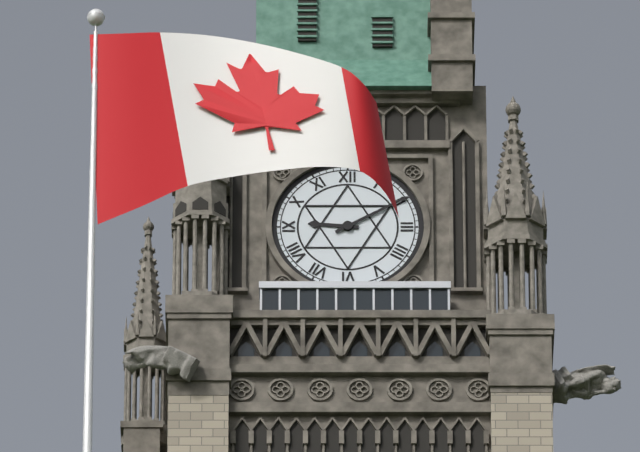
9 h 10 min
